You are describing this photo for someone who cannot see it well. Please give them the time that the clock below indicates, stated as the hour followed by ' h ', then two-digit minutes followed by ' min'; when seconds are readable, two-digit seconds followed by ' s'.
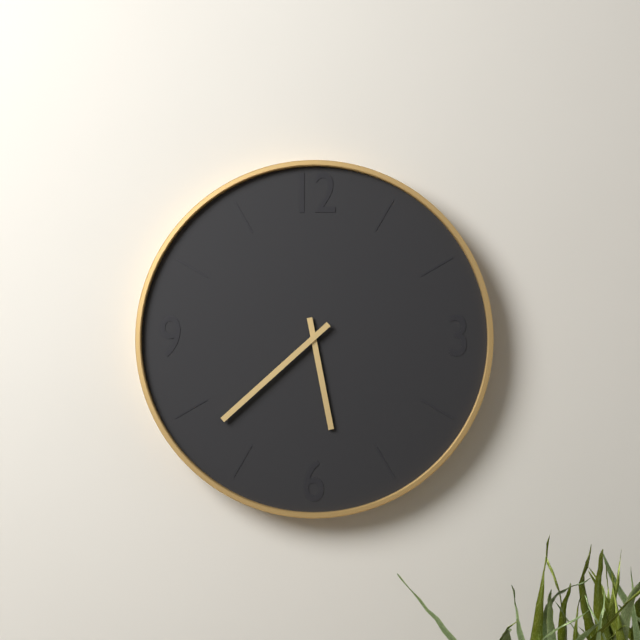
5 h 38 min
